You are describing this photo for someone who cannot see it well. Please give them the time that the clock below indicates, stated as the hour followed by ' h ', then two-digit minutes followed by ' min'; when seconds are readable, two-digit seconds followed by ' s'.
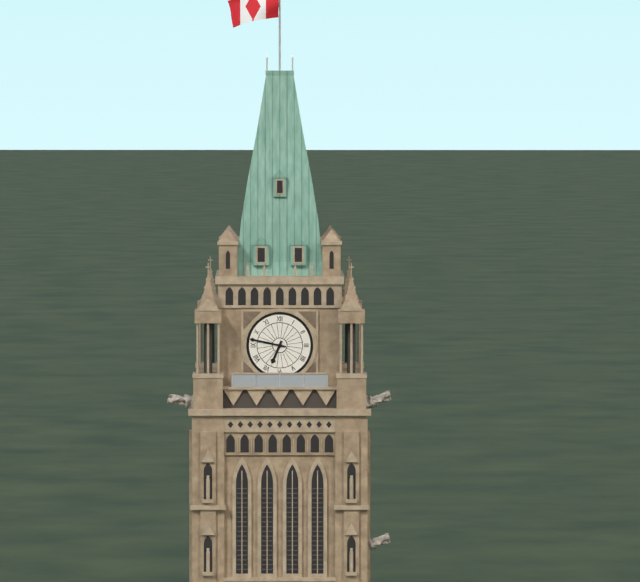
6 h 47 min
